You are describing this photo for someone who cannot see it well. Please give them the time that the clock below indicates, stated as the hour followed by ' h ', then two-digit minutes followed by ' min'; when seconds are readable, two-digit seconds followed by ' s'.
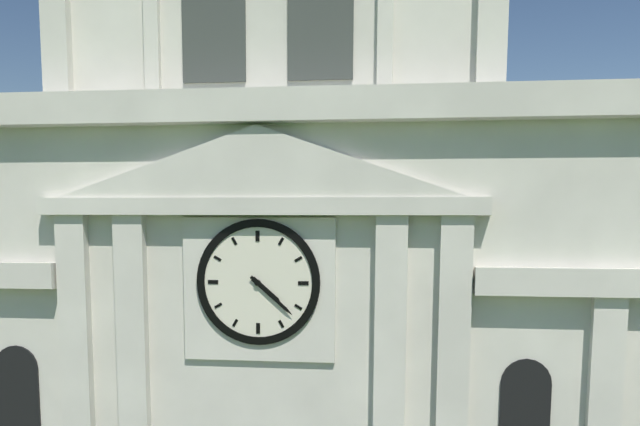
4 h 22 min
